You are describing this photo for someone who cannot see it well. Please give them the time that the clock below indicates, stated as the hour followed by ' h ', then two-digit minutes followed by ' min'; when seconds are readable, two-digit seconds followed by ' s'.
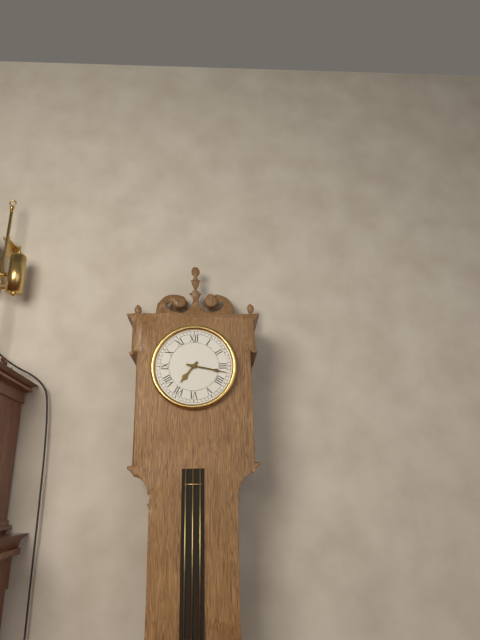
7 h 17 min
